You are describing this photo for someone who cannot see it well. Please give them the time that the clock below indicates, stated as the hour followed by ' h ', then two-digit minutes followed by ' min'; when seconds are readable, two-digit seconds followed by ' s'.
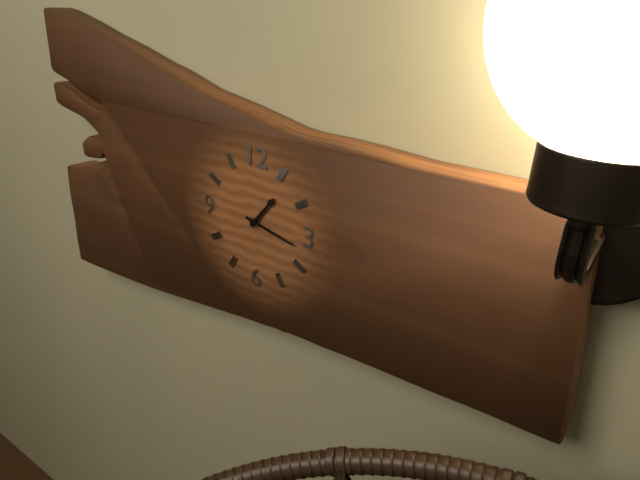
1 h 17 min
